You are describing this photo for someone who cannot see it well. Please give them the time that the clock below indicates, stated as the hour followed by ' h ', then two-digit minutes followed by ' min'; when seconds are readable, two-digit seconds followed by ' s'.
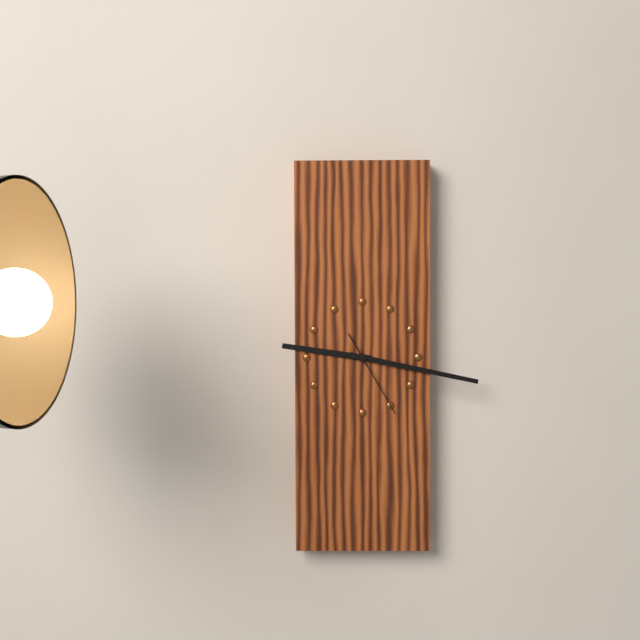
9 h 17 min 25 s
